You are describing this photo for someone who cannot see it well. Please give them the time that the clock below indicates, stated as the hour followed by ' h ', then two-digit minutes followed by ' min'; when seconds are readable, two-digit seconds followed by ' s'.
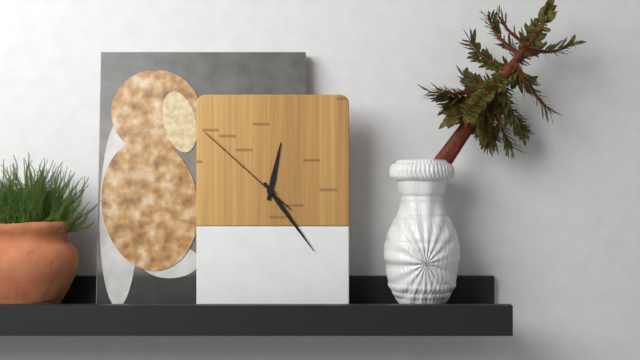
12 h 24 min 52 s
